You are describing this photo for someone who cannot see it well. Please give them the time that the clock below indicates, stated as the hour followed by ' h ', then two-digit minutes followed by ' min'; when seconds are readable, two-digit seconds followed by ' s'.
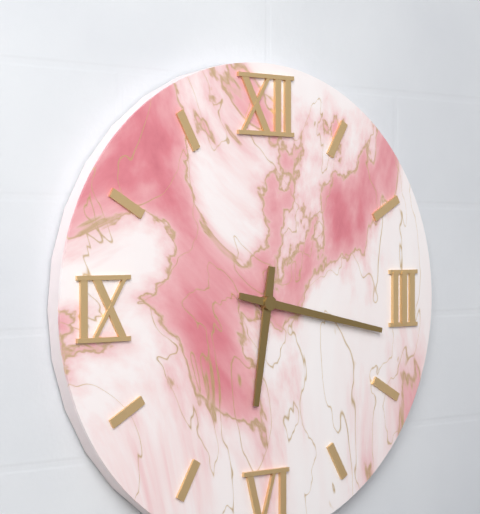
6 h 17 min
